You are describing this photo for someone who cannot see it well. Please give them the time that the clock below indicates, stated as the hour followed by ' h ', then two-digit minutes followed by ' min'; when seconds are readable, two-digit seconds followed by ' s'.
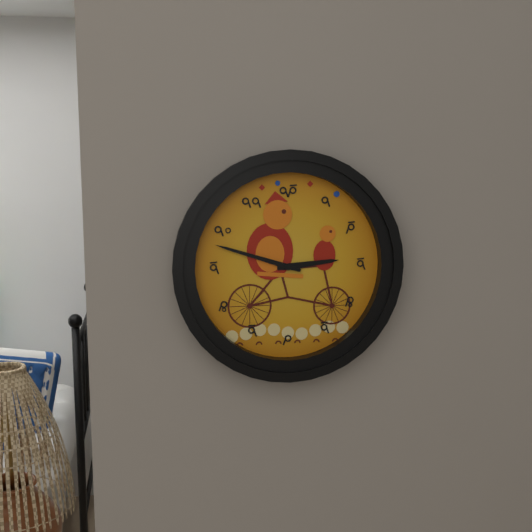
2 h 48 min
